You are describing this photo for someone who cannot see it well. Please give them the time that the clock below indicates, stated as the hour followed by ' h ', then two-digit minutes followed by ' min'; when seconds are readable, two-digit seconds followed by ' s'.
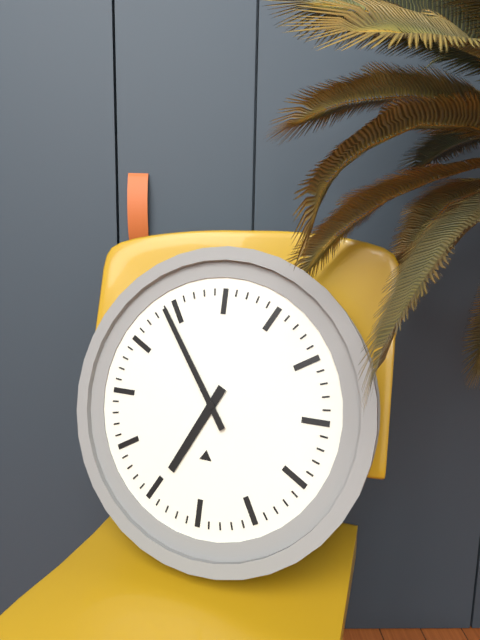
6 h 54 min
